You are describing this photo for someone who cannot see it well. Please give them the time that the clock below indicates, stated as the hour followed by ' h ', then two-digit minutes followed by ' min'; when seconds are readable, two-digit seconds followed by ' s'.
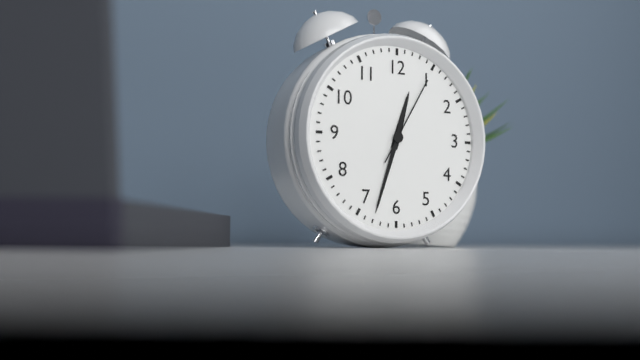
12 h 33 min 05 s
